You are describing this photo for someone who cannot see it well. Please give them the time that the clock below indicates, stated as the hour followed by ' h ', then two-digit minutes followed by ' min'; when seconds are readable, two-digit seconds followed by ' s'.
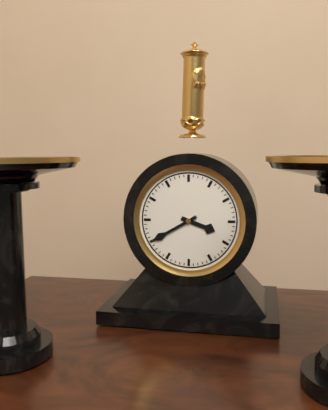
3 h 40 min
